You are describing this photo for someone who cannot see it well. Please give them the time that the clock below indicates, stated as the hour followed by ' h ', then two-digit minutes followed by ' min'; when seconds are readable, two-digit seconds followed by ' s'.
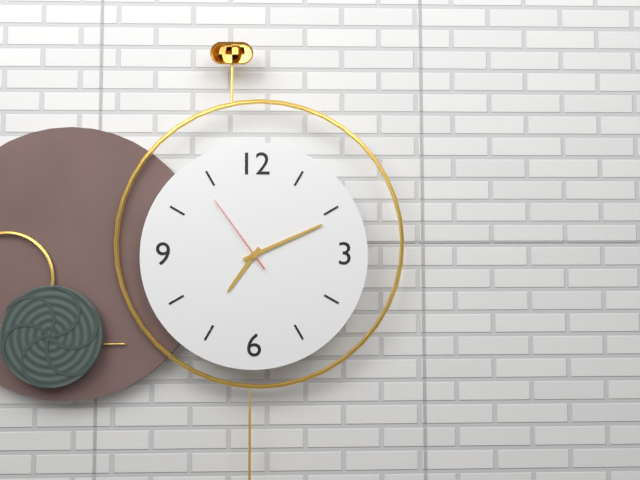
7 h 11 min 54 s
